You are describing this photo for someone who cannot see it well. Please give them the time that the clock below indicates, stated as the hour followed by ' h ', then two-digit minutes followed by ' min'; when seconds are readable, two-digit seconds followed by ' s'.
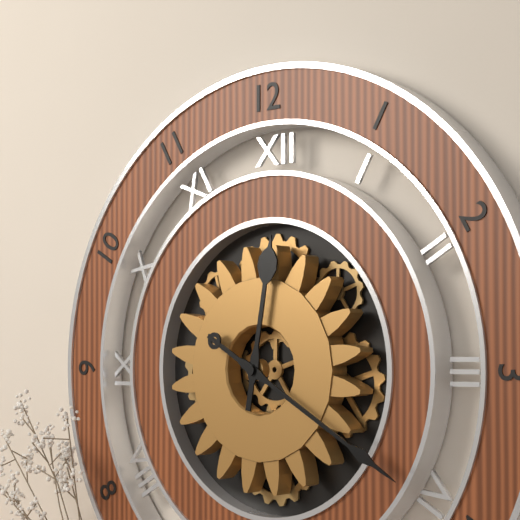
12 h 20 min
